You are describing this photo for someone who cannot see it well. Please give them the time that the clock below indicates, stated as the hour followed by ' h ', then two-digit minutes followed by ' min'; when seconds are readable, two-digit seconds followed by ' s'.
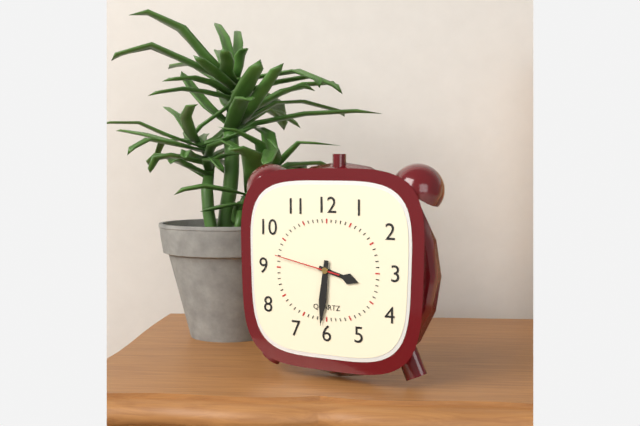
3 h 31 min 47 s
